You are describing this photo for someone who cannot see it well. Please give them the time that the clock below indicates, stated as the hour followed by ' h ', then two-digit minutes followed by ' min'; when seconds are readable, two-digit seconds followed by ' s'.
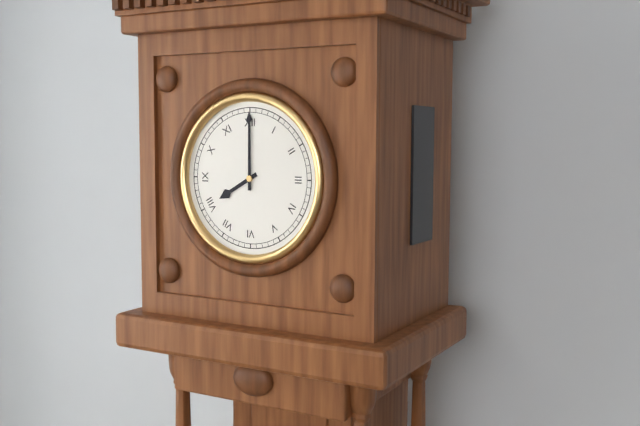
8 h 00 min
